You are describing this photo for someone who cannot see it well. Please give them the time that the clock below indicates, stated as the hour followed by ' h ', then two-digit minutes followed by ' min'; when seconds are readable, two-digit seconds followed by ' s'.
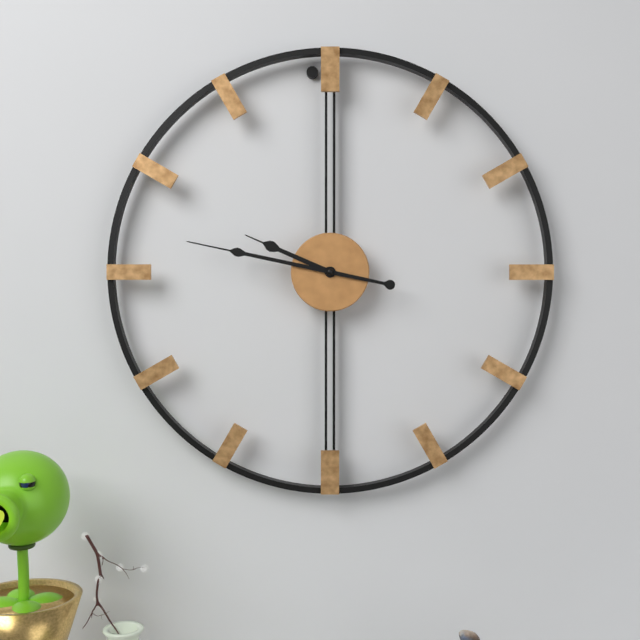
9 h 47 min
